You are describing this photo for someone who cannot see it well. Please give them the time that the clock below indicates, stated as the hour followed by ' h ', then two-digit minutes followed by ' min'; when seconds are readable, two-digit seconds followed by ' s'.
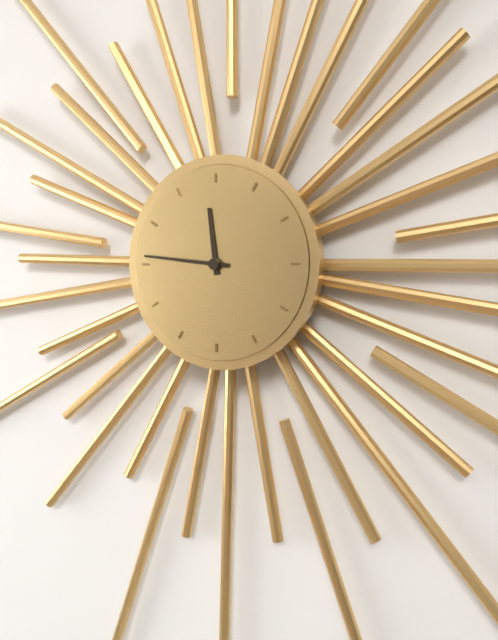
11 h 46 min
